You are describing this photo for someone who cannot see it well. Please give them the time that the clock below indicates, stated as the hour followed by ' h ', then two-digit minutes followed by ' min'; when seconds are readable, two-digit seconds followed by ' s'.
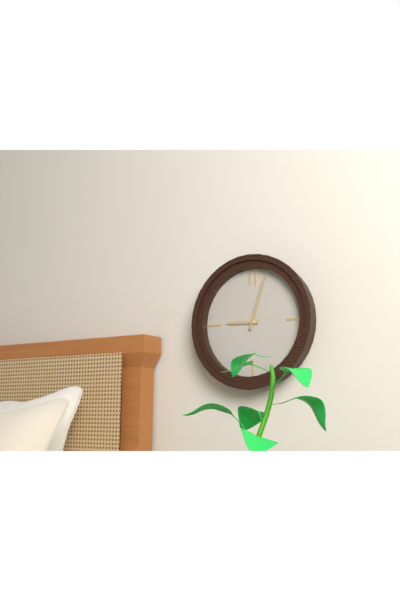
9 h 03 min
